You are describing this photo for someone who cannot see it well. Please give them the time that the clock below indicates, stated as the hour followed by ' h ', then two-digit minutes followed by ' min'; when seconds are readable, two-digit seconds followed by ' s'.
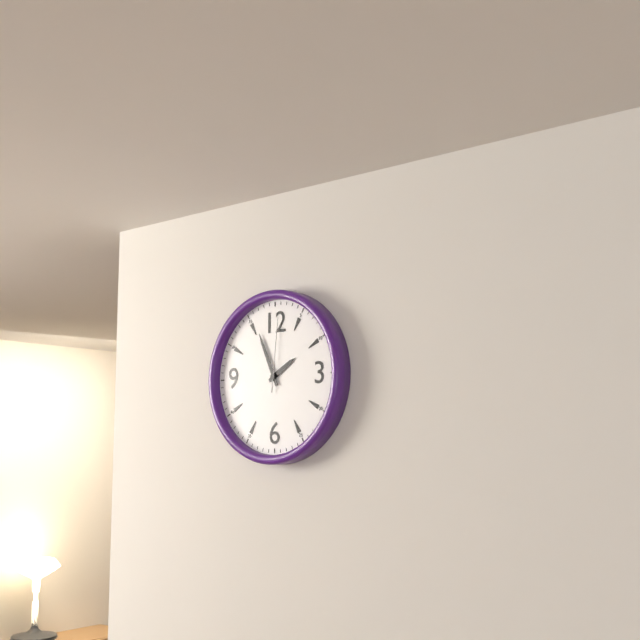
1 h 56 min 01 s
